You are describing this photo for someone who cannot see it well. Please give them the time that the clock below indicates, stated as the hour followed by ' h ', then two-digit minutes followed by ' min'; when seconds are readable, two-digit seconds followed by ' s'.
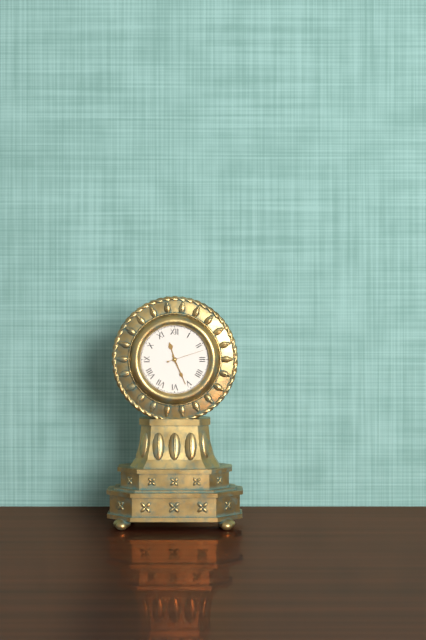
11 h 26 min
